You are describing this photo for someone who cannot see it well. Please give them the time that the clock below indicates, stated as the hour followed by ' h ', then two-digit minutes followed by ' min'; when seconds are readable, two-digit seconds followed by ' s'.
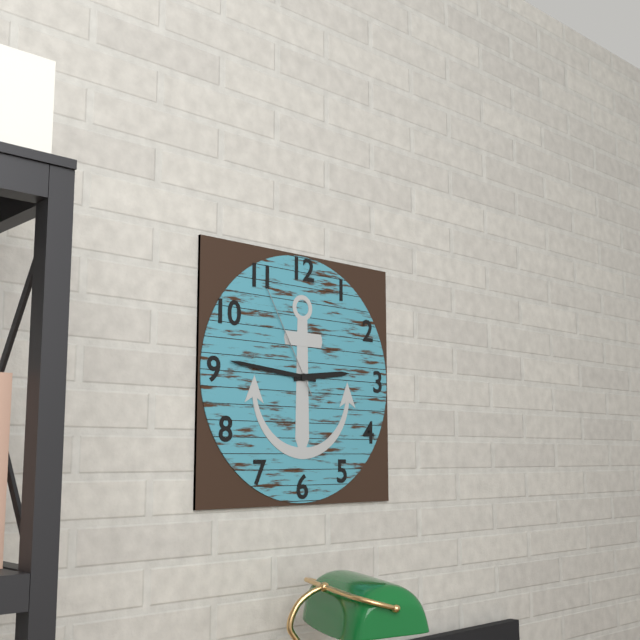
2 h 46 min 55 s
